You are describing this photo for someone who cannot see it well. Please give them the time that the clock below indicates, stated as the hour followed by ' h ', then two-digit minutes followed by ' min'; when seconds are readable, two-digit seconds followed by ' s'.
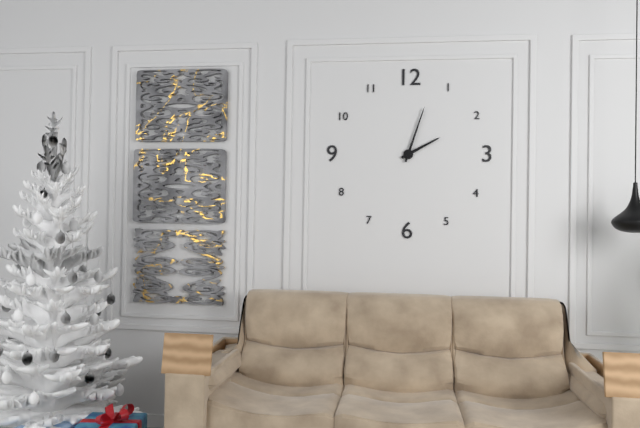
2 h 03 min
